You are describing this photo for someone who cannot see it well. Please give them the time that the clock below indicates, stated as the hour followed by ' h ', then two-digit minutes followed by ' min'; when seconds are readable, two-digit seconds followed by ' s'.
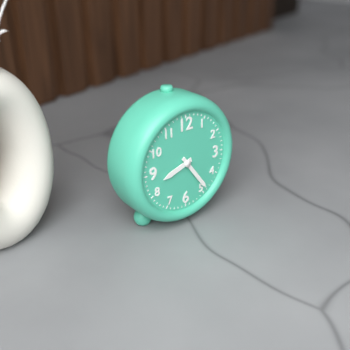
8 h 24 min
